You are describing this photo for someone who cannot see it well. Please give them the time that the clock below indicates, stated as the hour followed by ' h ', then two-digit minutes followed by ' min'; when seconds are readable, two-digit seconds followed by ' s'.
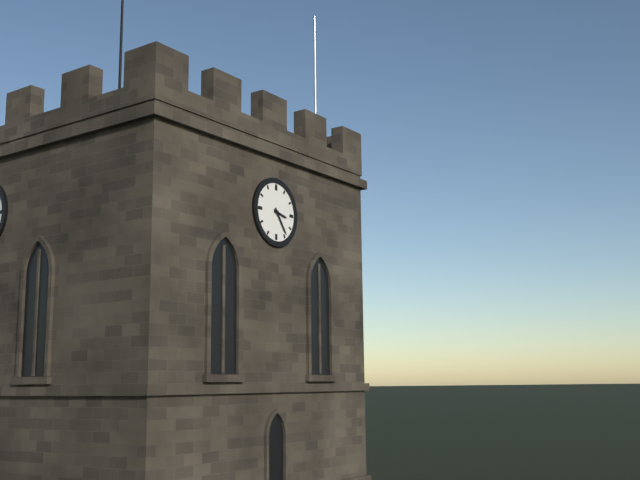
3 h 24 min
